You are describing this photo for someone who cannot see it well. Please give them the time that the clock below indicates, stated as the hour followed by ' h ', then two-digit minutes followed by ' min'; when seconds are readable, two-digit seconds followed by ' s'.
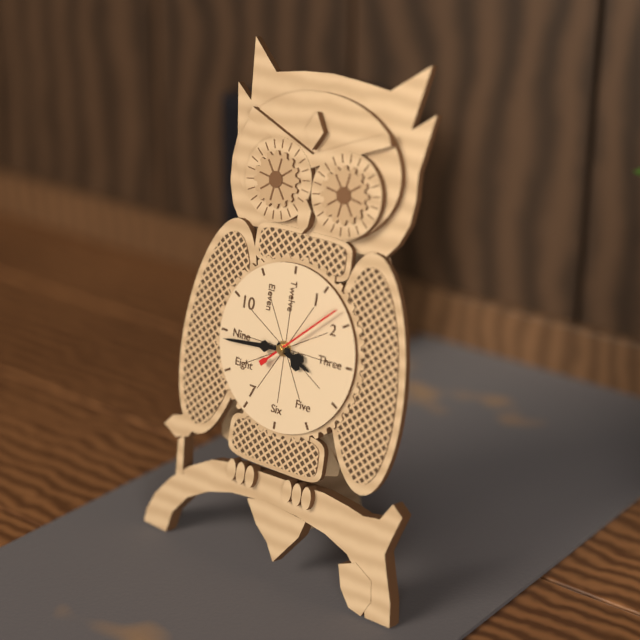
3 h 44 min 08 s
